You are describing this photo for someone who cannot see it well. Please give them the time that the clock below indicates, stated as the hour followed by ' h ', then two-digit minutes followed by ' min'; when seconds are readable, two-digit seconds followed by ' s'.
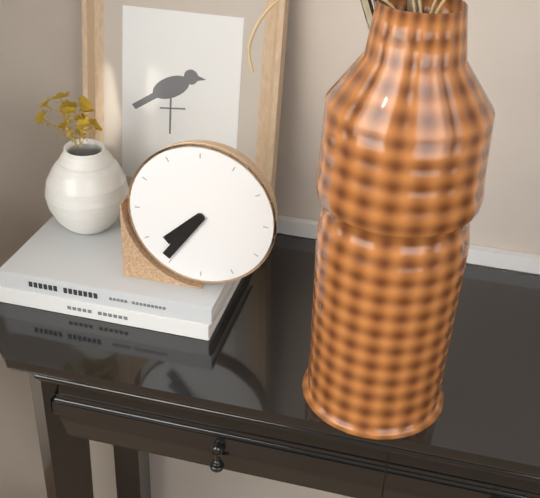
7 h 36 min
